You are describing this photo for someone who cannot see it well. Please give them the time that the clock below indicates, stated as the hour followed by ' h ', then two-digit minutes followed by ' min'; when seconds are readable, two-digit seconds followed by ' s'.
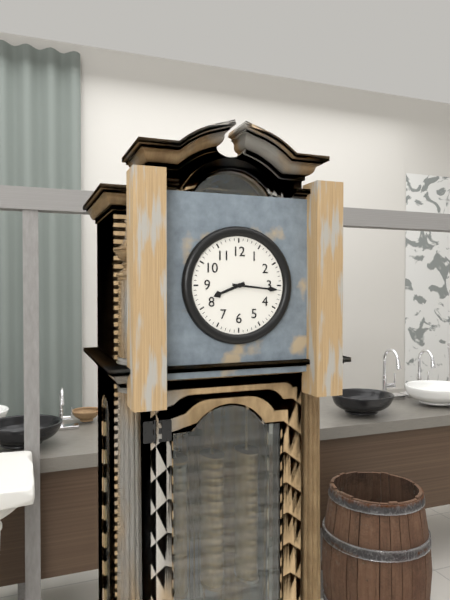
8 h 16 min
